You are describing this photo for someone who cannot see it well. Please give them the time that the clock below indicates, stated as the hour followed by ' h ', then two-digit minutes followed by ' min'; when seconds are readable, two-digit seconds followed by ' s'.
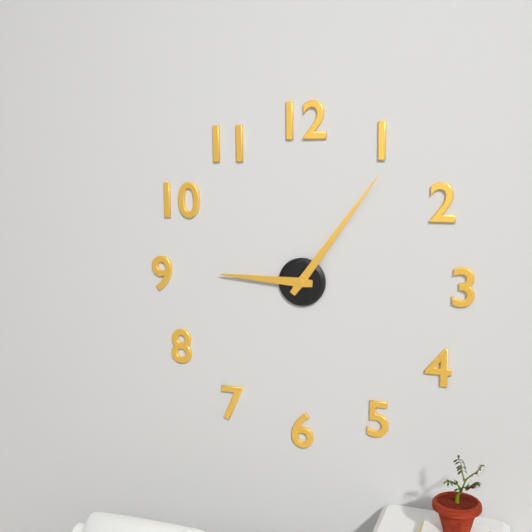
9 h 06 min
